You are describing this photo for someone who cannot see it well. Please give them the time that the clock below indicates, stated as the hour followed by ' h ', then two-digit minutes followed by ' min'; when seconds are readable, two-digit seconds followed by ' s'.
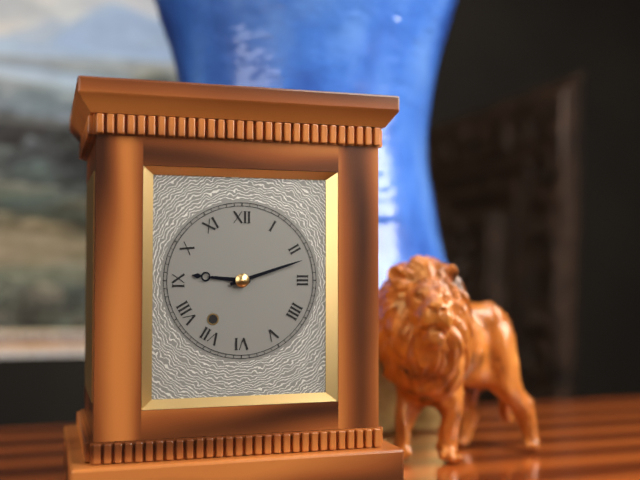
9 h 12 min
